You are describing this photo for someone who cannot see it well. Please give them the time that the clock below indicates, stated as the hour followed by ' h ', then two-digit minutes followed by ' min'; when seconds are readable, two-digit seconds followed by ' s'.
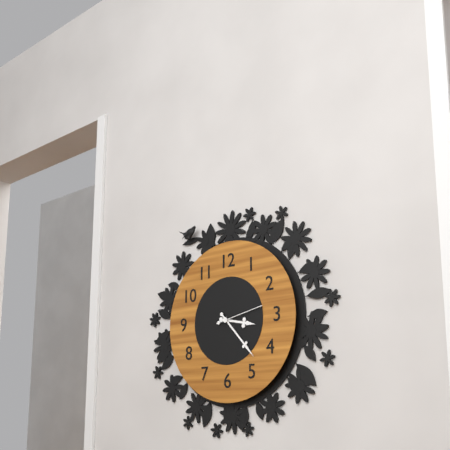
3 h 23 min
